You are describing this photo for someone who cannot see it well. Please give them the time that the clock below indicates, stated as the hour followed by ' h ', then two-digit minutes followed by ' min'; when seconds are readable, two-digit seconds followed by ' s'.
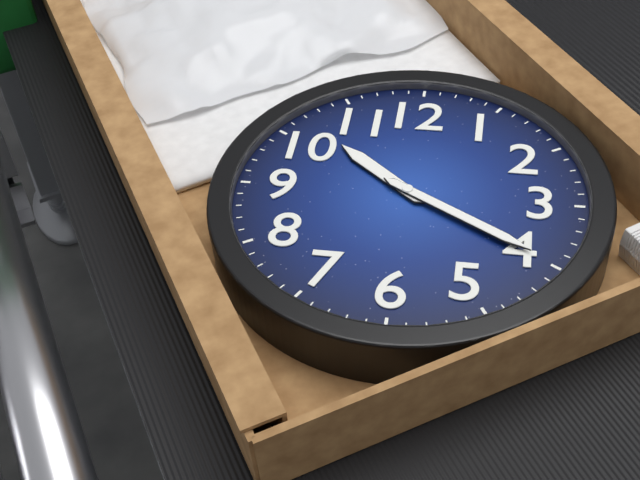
10 h 20 min
